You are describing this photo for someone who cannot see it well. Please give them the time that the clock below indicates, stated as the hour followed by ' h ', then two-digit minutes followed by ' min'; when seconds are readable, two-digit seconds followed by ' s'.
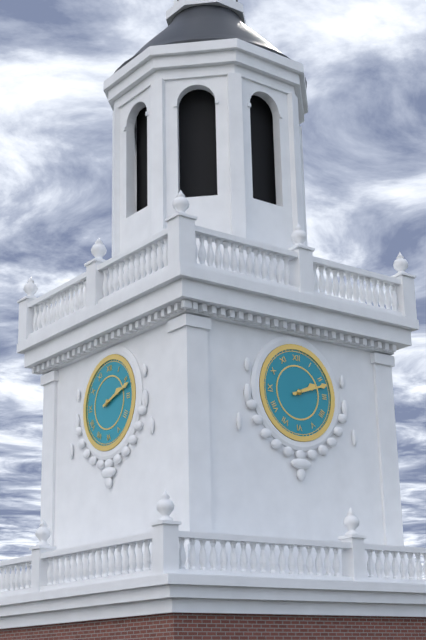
2 h 12 min
